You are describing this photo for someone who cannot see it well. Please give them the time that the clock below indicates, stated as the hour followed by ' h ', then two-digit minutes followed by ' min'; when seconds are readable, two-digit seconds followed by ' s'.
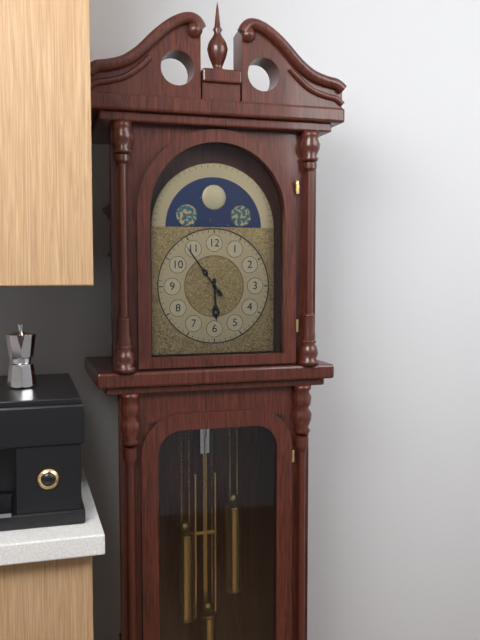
5 h 54 min
